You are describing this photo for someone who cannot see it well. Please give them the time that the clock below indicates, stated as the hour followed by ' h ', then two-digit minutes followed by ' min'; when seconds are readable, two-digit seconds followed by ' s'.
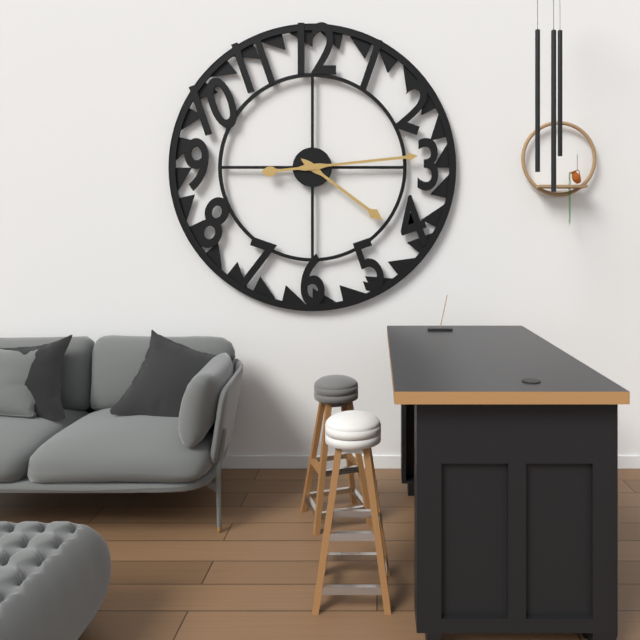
4 h 14 min
